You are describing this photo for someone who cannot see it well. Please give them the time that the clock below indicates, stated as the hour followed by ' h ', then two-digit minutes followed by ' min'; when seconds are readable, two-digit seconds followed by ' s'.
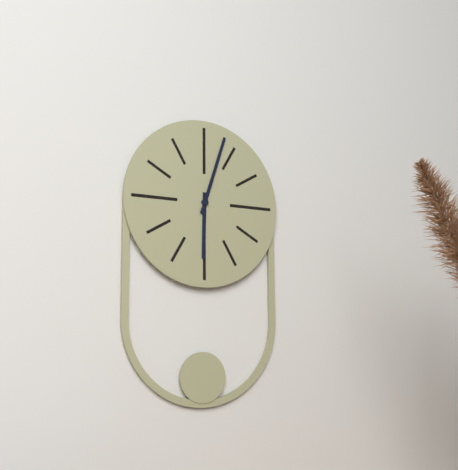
6 h 03 min
